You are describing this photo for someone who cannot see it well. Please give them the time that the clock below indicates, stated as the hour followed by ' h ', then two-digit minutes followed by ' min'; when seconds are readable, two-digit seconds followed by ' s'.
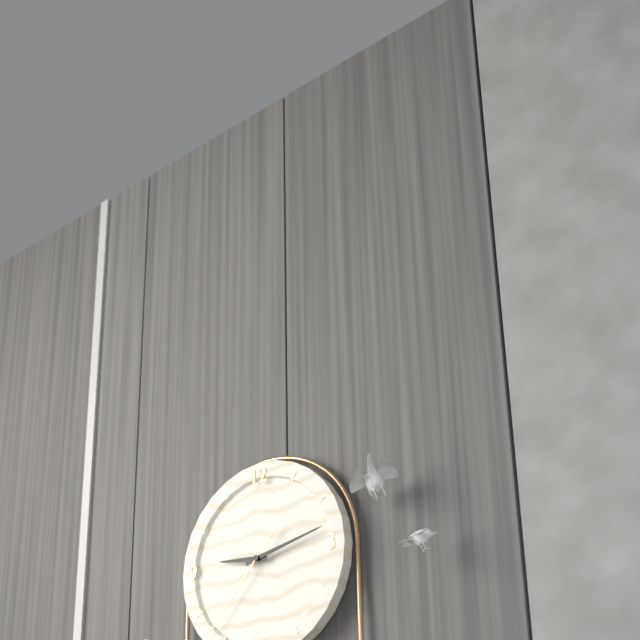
9 h 13 min 37 s
